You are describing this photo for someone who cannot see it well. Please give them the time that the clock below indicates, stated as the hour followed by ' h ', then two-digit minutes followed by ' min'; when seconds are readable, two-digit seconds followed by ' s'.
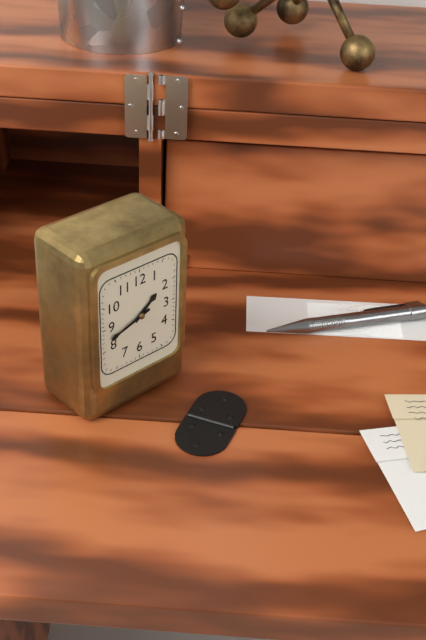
1 h 42 min
